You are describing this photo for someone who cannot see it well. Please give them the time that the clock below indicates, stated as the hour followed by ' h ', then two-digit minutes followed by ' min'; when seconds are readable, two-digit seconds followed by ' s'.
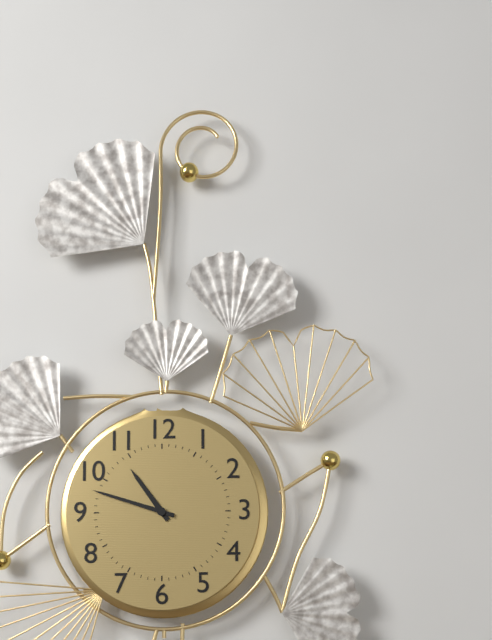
10 h 48 min
